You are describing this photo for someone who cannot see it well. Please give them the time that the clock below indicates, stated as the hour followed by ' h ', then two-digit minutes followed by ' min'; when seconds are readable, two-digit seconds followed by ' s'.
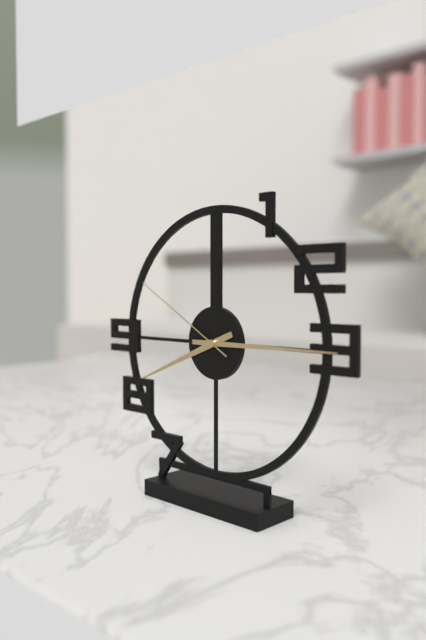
8 h 15 min 50 s
